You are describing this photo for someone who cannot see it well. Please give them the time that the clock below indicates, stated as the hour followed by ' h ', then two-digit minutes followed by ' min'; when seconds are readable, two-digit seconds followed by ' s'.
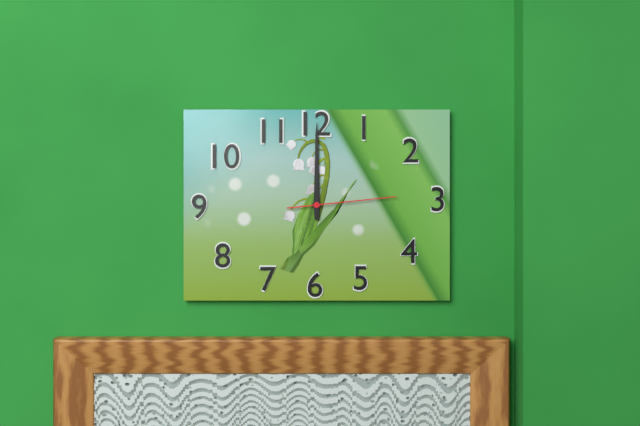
12 h 00 min 14 s
